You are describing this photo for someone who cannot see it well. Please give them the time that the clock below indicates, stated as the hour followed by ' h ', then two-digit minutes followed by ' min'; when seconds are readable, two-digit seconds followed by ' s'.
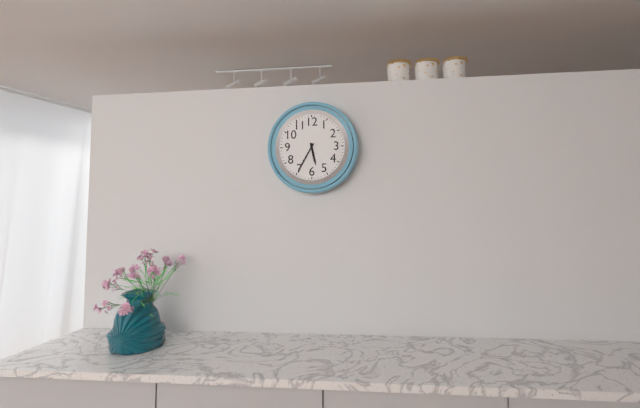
5 h 35 min
